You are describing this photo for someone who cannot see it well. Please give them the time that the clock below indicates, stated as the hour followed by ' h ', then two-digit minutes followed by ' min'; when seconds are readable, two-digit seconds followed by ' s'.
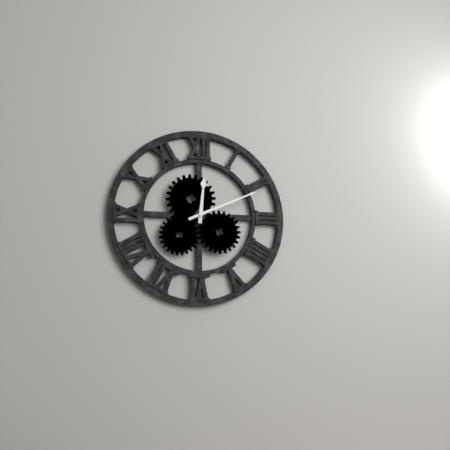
12 h 11 min
